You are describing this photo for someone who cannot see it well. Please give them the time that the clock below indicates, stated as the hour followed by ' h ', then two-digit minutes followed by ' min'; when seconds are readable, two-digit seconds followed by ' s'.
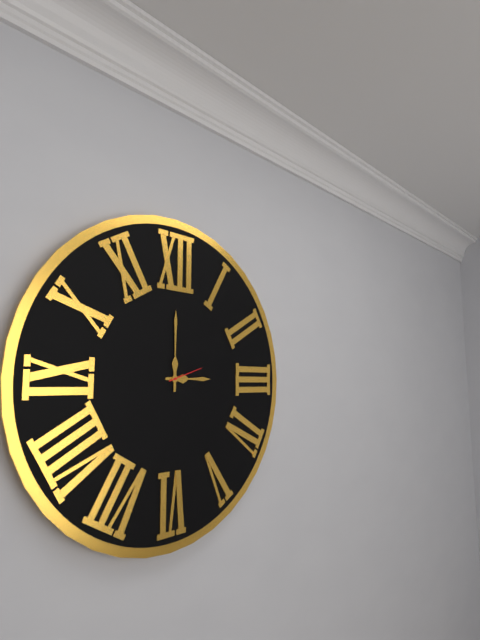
3 h 00 min
